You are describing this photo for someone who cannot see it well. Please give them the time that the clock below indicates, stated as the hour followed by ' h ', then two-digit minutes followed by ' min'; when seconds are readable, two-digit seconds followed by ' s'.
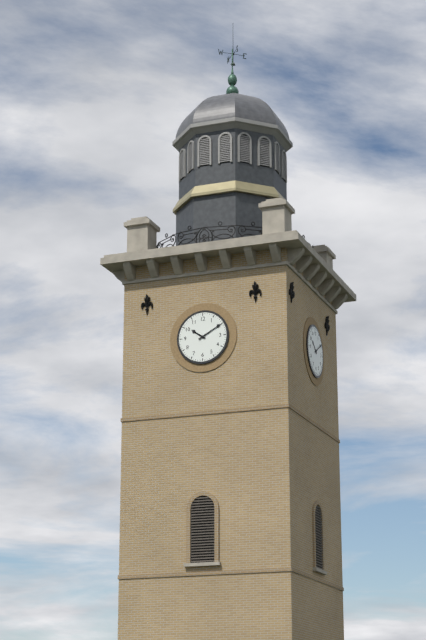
10 h 10 min
